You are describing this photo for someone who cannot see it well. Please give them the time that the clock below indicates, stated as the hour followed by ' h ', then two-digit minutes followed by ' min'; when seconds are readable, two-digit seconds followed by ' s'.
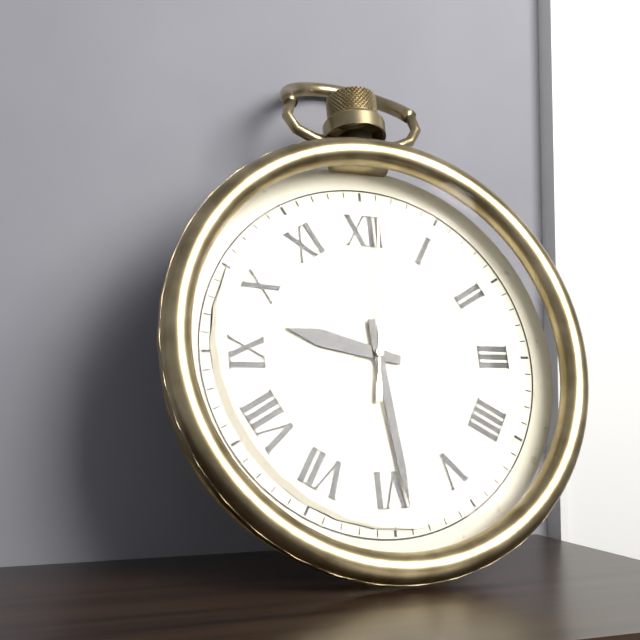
9 h 29 min 01 s
